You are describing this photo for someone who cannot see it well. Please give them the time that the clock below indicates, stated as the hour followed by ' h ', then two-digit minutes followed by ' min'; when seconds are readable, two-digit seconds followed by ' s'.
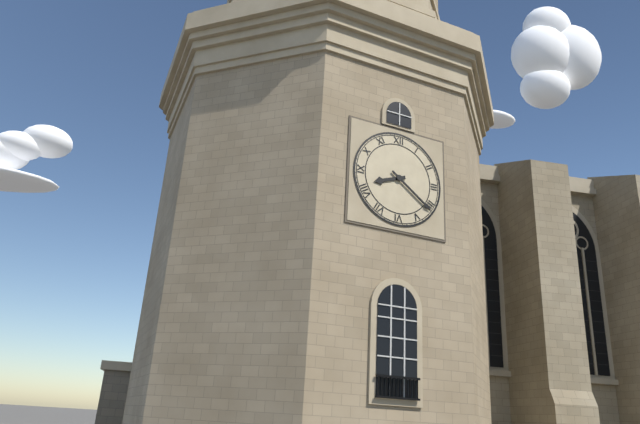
8 h 21 min
